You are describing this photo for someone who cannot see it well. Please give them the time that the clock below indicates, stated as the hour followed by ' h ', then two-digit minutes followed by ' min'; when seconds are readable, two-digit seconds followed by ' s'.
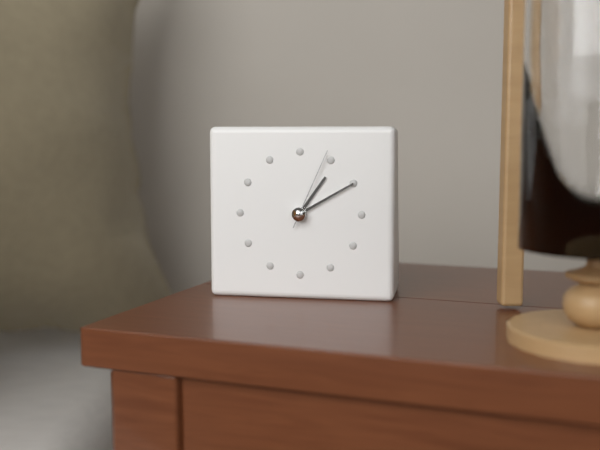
1 h 10 min 04 s
